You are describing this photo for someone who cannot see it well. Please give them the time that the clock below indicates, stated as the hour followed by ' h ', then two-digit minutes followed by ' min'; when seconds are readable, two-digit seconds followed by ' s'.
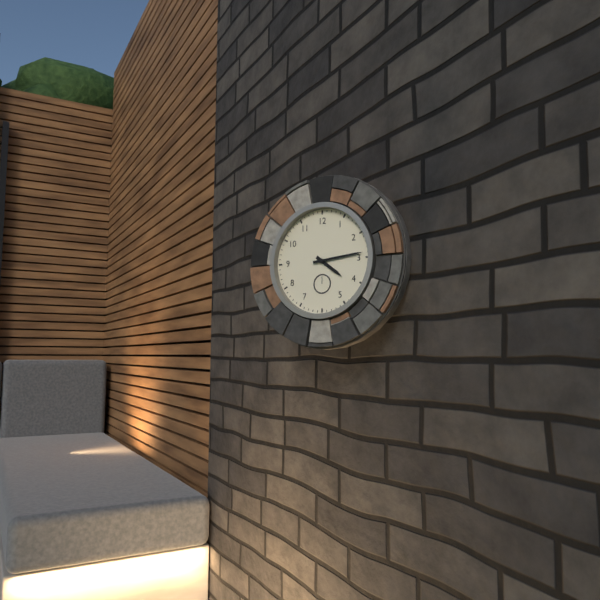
4 h 14 min
